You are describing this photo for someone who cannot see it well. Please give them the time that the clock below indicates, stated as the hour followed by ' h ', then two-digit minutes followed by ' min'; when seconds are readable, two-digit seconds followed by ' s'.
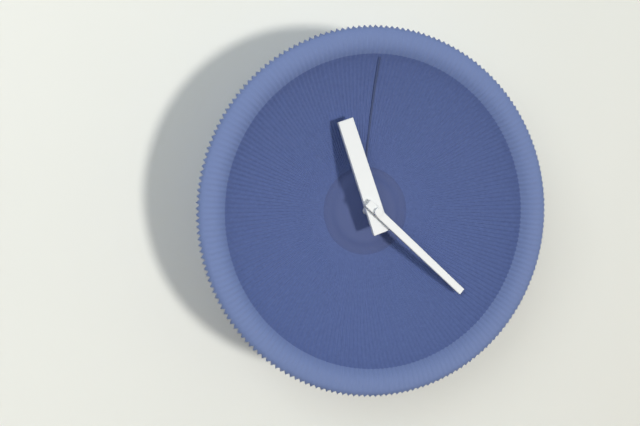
11 h 22 min
